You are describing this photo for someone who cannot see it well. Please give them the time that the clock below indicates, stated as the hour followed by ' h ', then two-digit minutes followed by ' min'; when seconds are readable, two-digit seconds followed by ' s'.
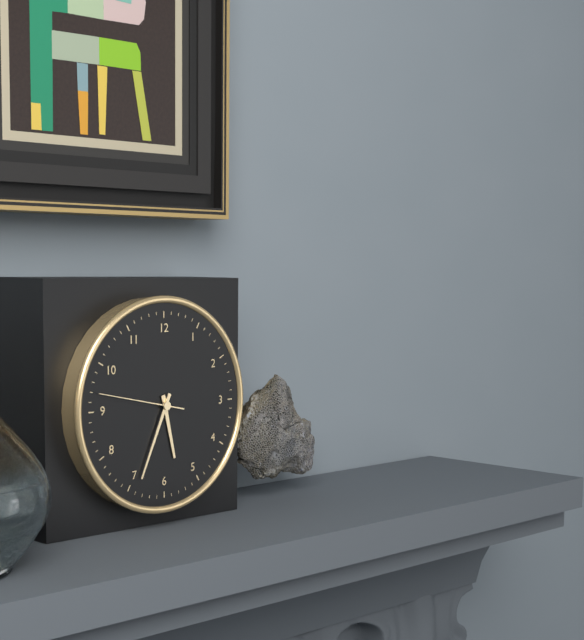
5 h 34 min 47 s
